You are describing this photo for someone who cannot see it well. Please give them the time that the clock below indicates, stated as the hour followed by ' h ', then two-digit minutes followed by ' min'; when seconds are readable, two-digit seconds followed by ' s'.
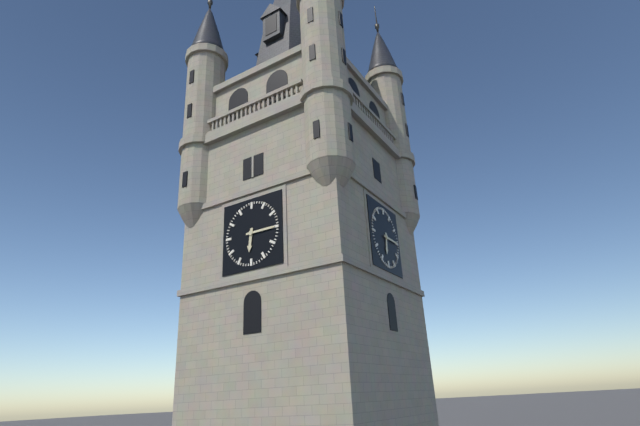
6 h 15 min
